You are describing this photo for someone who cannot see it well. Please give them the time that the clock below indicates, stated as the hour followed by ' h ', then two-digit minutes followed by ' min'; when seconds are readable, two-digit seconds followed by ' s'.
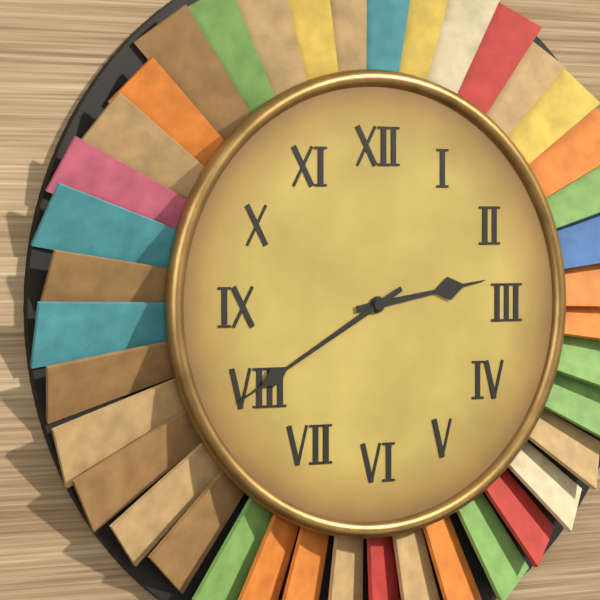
2 h 40 min
